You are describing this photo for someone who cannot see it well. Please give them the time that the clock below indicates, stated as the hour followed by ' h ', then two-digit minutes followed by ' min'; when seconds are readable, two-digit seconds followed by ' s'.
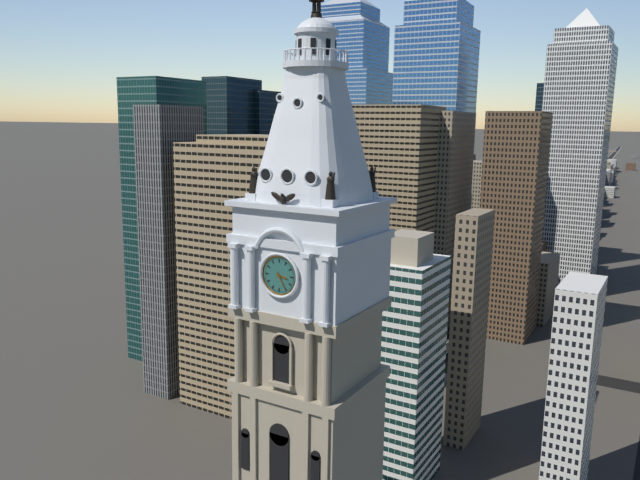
3 h 25 min
